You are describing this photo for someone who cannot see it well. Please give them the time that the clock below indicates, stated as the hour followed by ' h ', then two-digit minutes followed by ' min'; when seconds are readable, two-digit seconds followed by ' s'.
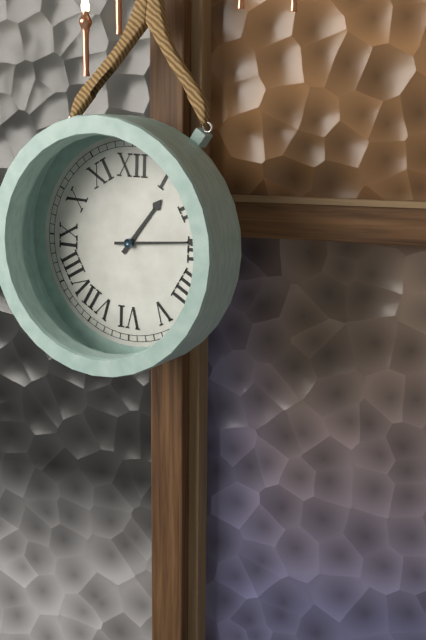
1 h 14 min
